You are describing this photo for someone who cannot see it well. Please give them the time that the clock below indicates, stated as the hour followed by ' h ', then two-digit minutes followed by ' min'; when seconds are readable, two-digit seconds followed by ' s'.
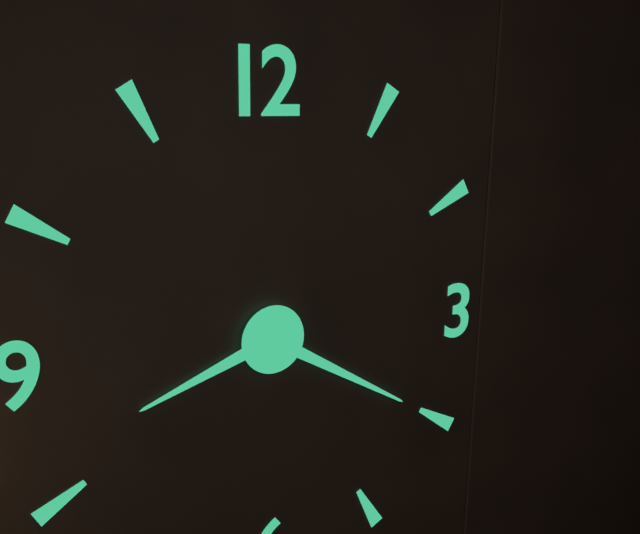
8 h 20 min
